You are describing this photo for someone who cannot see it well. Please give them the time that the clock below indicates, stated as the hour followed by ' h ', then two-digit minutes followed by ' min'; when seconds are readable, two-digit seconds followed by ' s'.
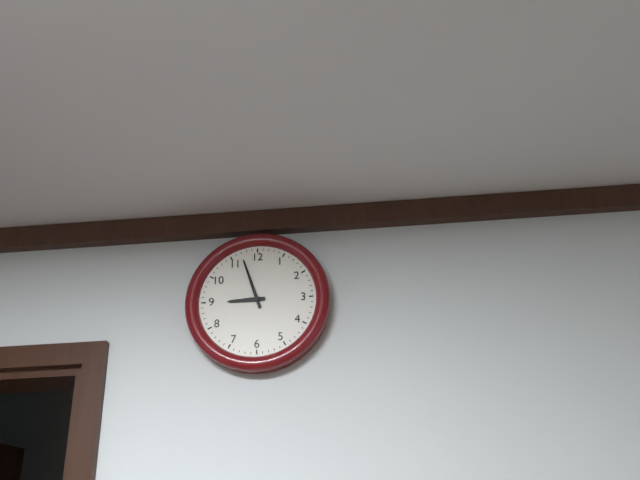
8 h 57 min
